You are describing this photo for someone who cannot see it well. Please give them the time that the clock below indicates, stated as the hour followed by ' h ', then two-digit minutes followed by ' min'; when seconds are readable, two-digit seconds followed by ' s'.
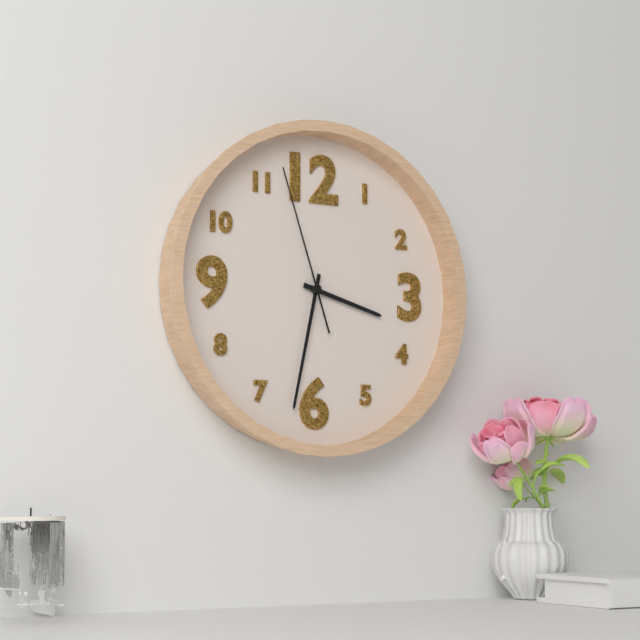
3 h 32 min 57 s
